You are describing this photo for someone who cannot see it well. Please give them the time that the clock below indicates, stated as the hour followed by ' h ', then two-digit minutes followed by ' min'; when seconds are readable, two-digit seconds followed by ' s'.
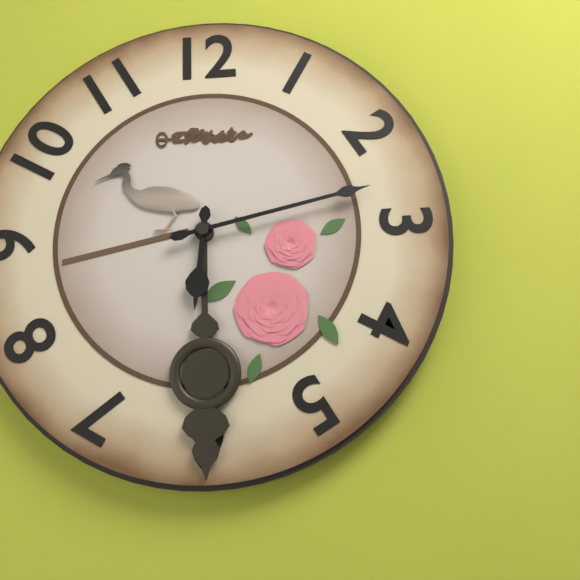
6 h 13 min
